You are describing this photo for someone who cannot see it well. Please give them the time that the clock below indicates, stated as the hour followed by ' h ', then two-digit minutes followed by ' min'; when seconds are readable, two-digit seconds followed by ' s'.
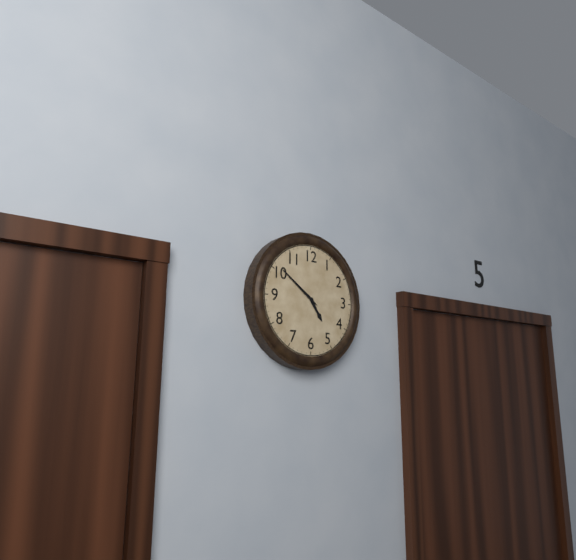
4 h 51 min
